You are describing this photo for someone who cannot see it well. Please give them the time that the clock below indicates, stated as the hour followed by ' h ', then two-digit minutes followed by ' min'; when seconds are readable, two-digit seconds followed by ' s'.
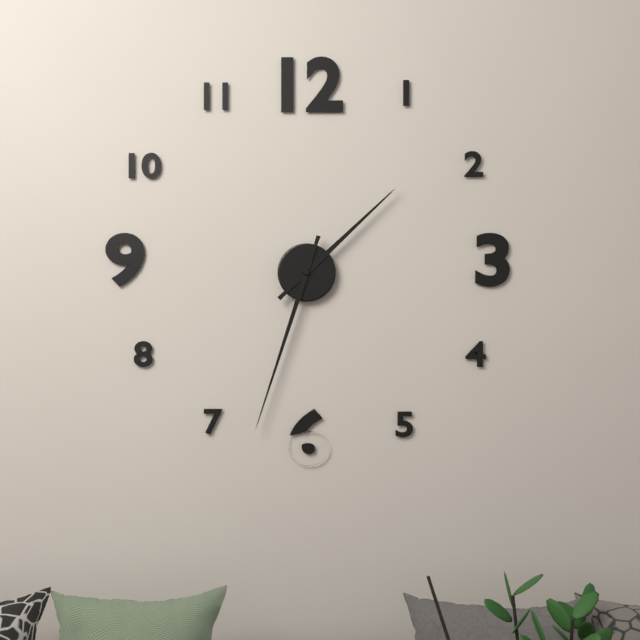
1 h 33 min
